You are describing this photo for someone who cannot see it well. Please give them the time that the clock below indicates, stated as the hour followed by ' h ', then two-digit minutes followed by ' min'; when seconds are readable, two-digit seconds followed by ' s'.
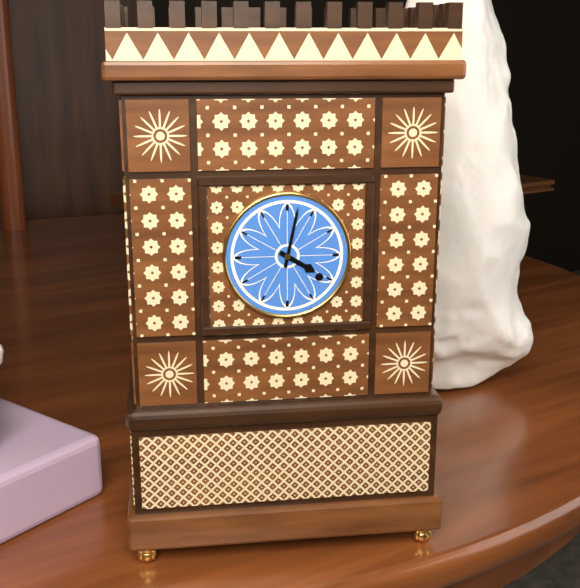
4 h 02 min
